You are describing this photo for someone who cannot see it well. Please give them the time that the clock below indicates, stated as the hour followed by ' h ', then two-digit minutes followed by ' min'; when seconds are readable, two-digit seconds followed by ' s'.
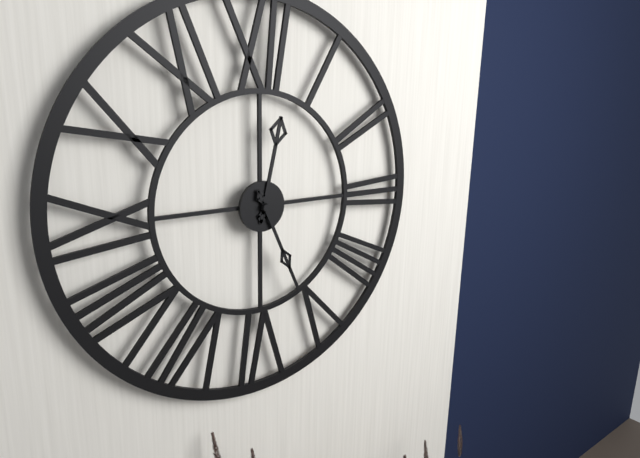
12 h 26 min
